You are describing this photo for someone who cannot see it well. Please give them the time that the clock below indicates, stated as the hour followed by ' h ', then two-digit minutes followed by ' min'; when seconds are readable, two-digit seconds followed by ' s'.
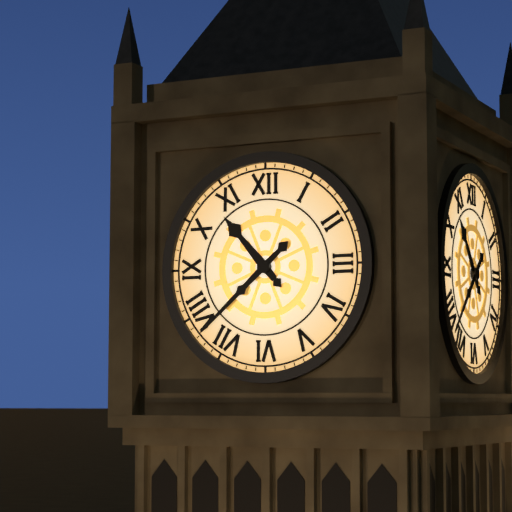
10 h 38 min
